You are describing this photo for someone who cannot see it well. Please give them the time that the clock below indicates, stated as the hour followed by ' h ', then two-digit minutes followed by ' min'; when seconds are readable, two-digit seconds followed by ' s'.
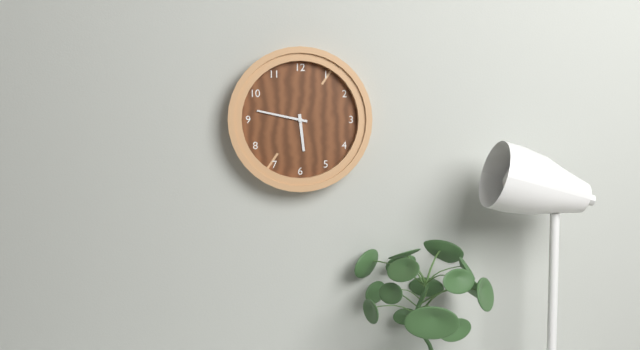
5 h 47 min
